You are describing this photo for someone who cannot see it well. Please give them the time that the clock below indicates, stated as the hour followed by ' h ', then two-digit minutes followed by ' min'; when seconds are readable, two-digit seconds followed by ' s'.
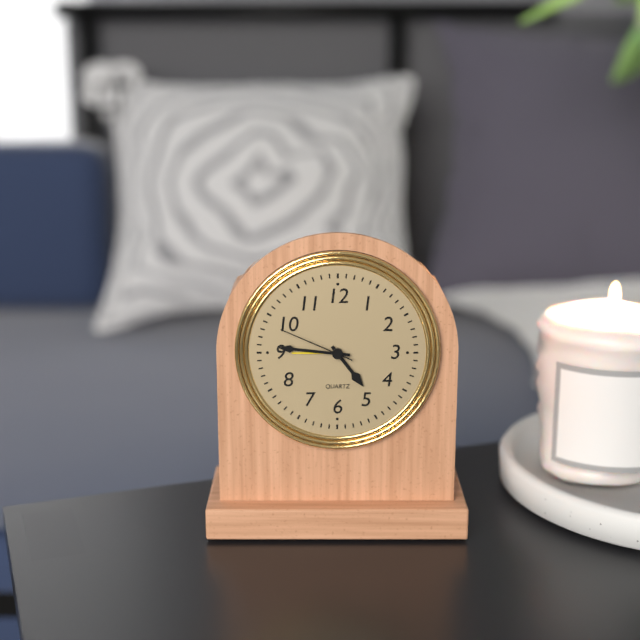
4 h 46 min 49 s
